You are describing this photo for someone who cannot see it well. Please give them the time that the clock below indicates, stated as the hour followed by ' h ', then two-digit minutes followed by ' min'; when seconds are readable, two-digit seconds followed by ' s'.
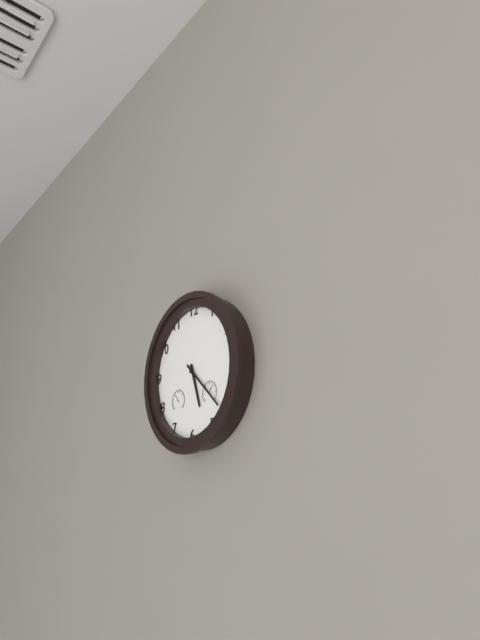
5 h 22 min
